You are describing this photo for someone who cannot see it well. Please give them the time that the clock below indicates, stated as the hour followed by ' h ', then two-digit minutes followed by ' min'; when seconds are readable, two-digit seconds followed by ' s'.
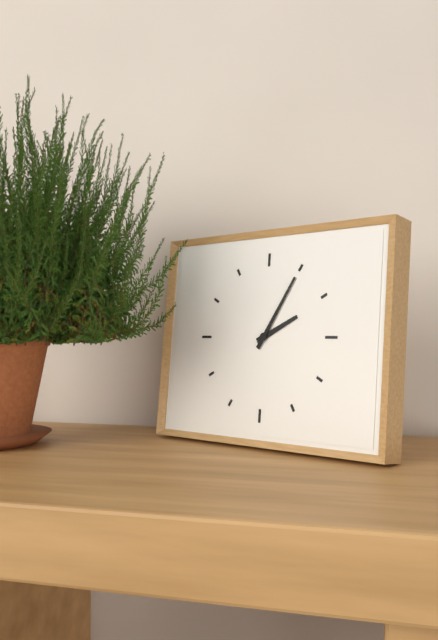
2 h 05 min
